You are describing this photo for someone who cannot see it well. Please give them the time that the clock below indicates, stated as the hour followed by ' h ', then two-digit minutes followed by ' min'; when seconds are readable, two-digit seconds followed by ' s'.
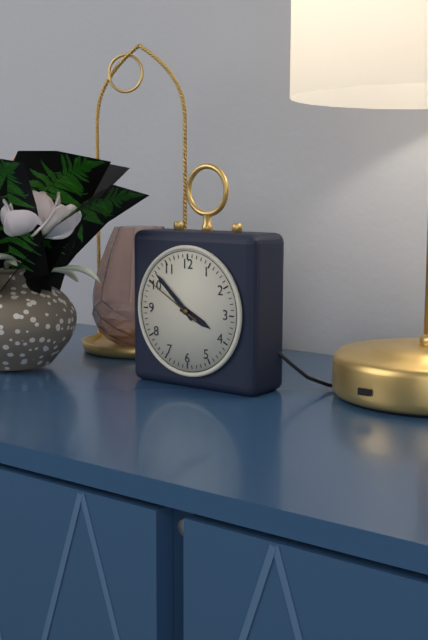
3 h 52 min 50 s
